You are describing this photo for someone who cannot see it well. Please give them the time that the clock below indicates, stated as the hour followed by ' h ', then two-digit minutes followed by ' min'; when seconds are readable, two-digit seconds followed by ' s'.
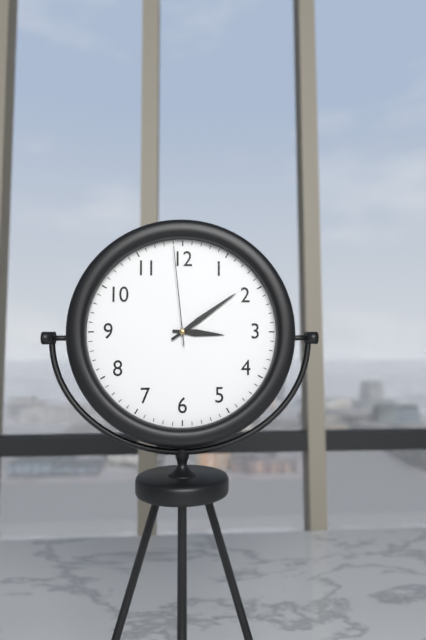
3 h 09 min 59 s
